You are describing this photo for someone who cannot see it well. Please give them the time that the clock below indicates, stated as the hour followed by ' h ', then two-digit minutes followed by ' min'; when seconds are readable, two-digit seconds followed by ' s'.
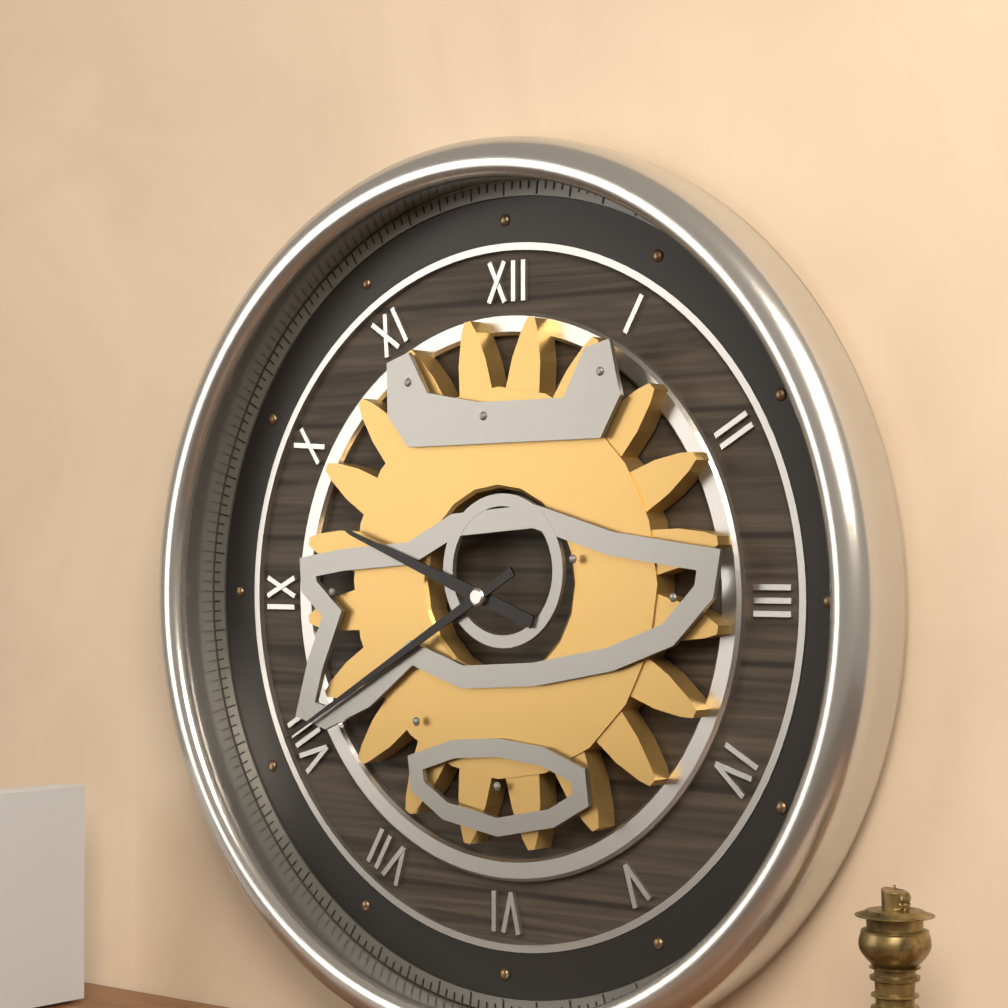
9 h 40 min
